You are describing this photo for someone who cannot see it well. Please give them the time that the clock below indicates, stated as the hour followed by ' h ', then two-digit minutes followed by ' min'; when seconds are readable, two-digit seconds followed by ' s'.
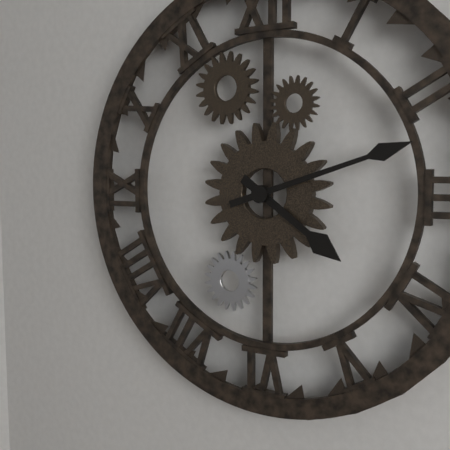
4 h 12 min
